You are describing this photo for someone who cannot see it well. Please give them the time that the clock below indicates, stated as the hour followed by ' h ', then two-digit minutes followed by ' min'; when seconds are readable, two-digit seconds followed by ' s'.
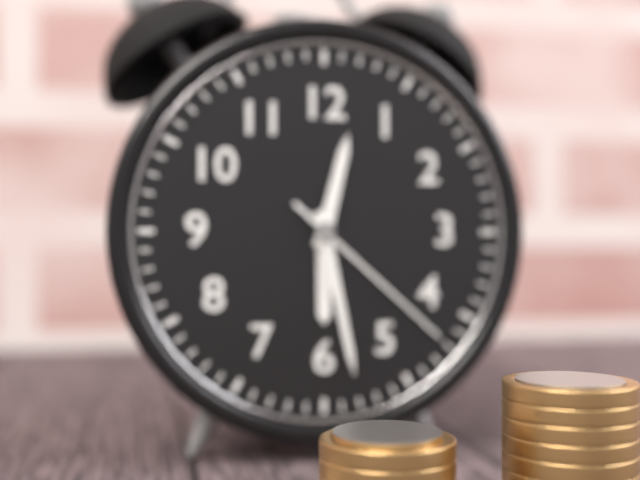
12 h 28 min 22 s
